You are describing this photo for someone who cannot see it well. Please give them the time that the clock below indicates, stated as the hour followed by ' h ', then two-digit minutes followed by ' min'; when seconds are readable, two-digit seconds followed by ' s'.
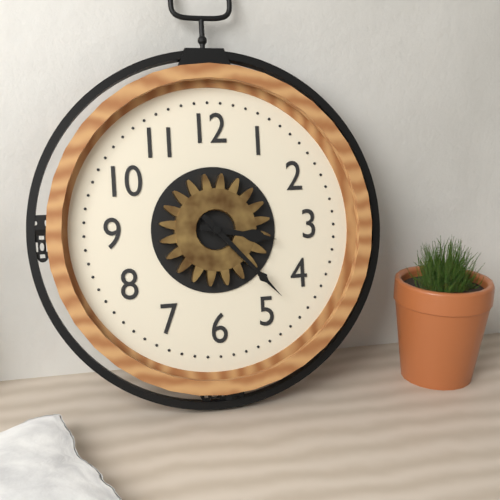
3 h 23 min
